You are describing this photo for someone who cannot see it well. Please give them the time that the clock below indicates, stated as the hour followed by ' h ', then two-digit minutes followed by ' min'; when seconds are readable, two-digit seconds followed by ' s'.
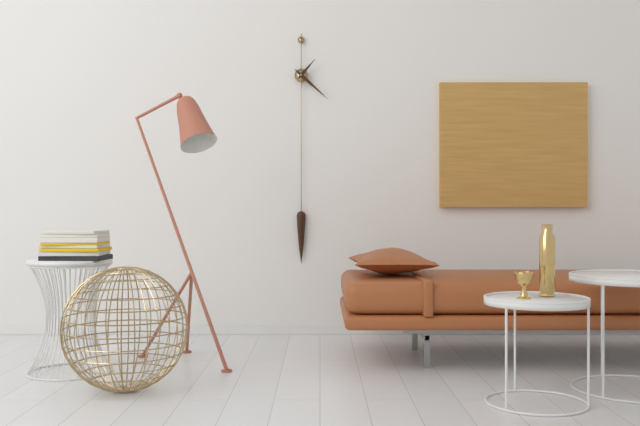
1 h 22 min
